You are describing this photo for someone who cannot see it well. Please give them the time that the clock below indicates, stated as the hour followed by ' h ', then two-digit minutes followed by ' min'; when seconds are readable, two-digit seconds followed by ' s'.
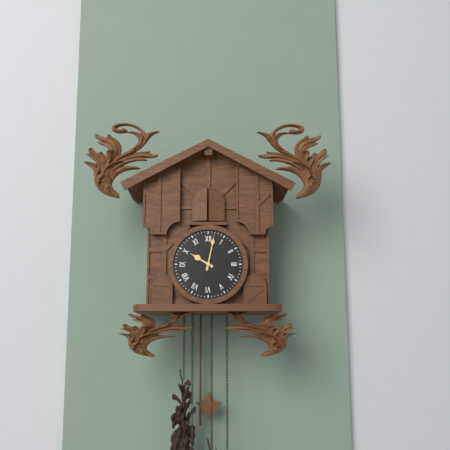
10 h 02 min
